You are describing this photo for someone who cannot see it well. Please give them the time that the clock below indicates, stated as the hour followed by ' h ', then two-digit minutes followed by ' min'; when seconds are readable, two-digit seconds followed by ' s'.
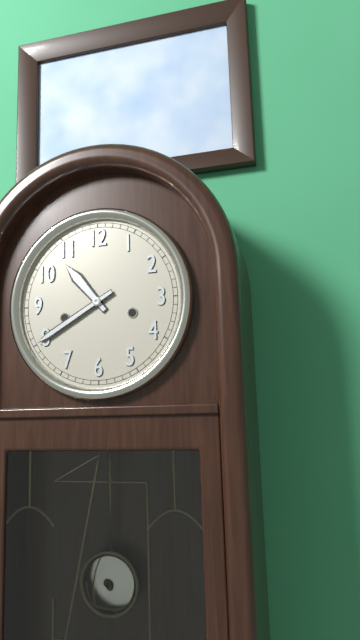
10 h 40 min
